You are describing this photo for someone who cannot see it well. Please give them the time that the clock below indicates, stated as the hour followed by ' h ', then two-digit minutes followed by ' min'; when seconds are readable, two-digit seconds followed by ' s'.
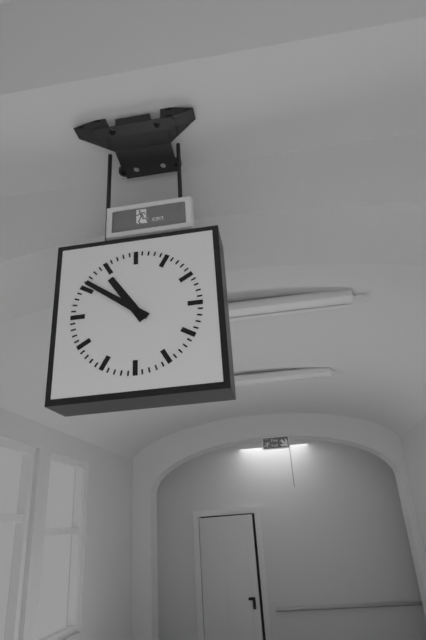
10 h 51 min
